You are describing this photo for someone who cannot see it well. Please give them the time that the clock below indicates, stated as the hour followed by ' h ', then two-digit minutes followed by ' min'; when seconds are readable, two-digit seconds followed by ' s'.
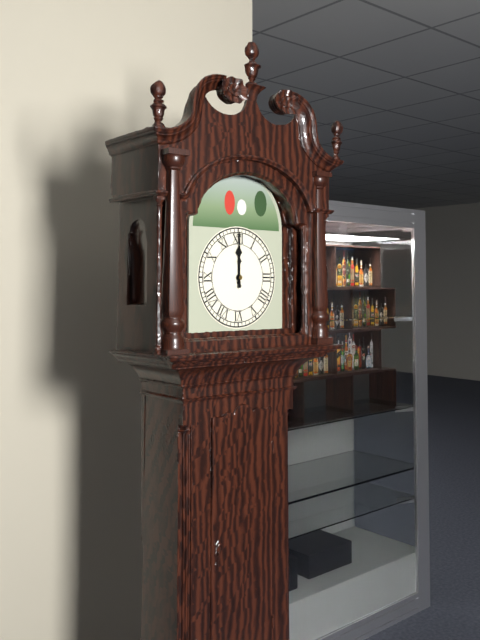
12 h 00 min
